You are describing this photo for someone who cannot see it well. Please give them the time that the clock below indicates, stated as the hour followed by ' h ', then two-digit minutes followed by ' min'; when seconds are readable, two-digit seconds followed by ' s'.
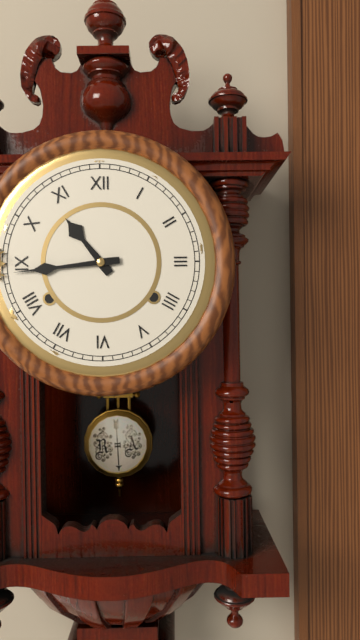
10 h 44 min
